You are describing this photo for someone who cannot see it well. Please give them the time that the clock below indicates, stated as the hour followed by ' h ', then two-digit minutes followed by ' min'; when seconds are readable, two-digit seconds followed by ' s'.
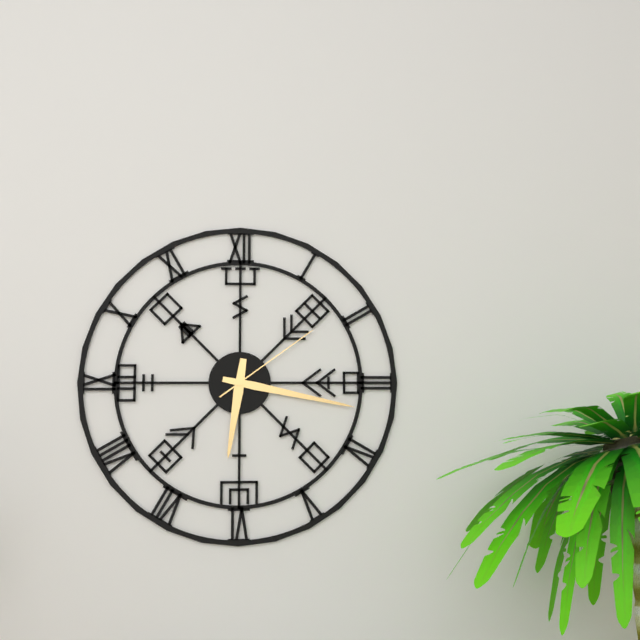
6 h 17 min 09 s
